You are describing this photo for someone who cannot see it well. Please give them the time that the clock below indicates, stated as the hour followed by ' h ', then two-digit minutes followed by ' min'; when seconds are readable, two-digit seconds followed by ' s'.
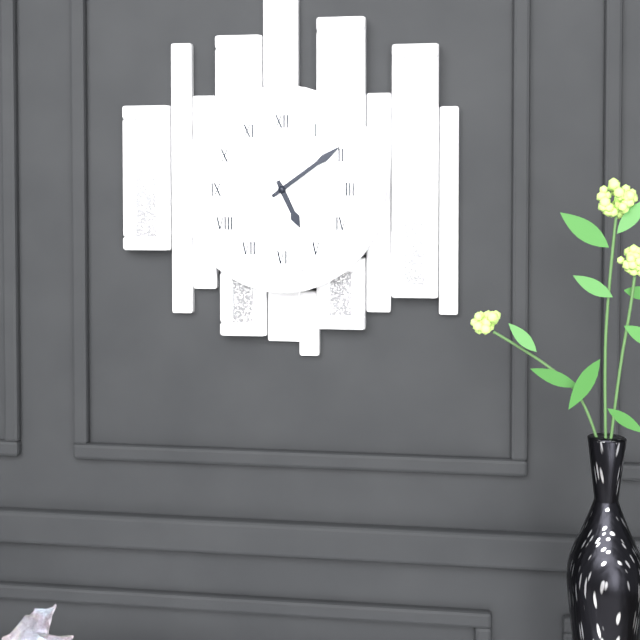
5 h 09 min
